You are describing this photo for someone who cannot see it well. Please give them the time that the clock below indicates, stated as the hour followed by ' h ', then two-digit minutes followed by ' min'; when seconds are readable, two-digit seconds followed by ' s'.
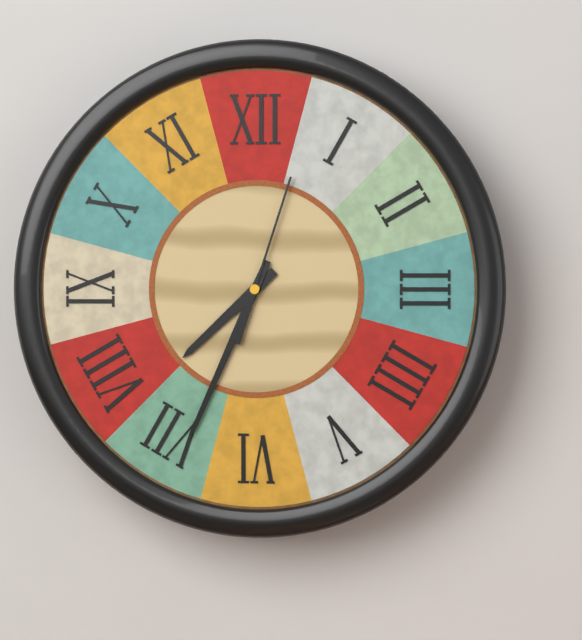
7 h 34 min 03 s
